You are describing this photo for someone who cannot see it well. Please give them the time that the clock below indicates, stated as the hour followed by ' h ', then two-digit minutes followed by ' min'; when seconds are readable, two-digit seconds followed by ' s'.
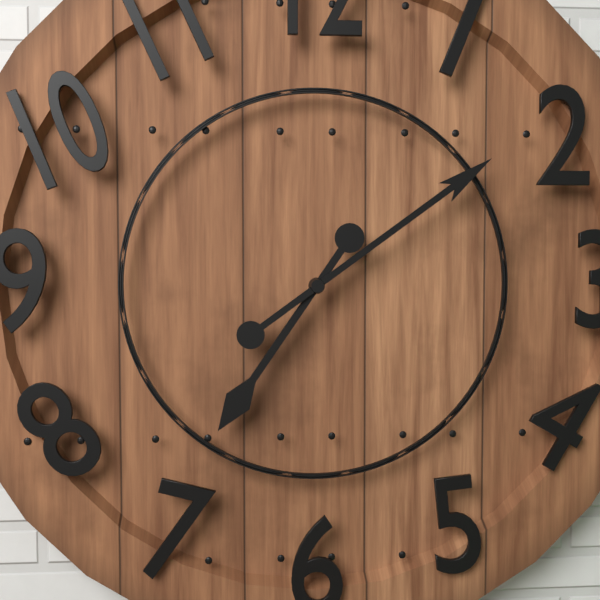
7 h 09 min
